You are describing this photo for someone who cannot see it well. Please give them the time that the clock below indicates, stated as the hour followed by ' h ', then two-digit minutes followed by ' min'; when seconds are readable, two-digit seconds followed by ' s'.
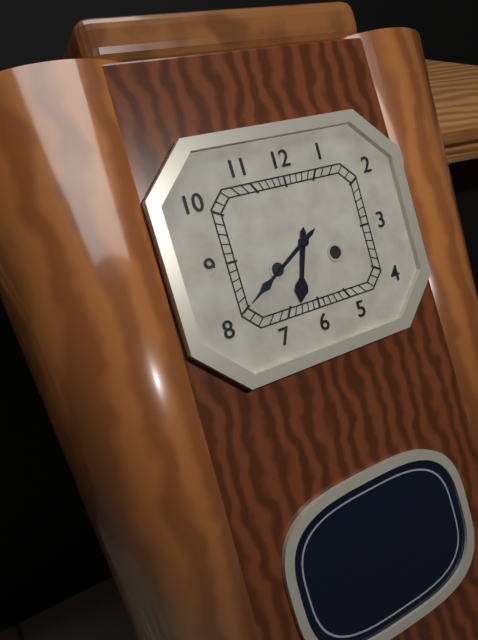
6 h 40 min
